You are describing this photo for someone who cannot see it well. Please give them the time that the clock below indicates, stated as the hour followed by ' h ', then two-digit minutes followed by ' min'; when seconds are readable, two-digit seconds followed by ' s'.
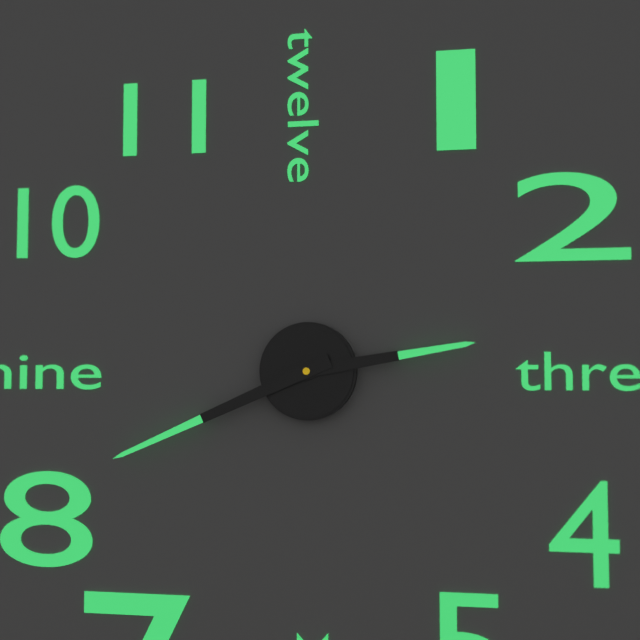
2 h 41 min
